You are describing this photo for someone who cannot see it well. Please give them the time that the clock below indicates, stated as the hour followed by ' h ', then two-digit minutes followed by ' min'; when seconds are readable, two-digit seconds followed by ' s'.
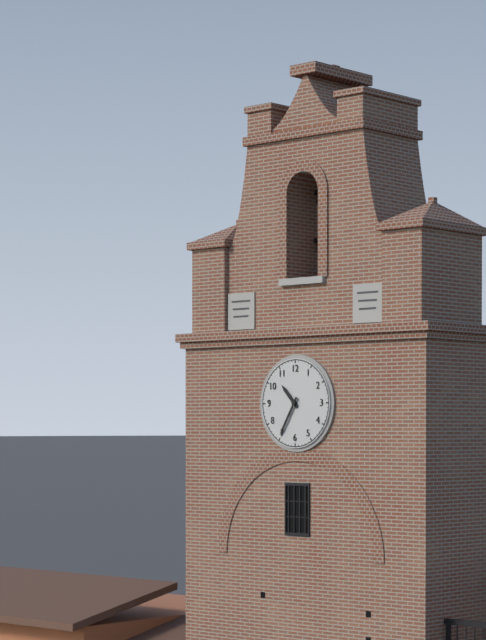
10 h 35 min
